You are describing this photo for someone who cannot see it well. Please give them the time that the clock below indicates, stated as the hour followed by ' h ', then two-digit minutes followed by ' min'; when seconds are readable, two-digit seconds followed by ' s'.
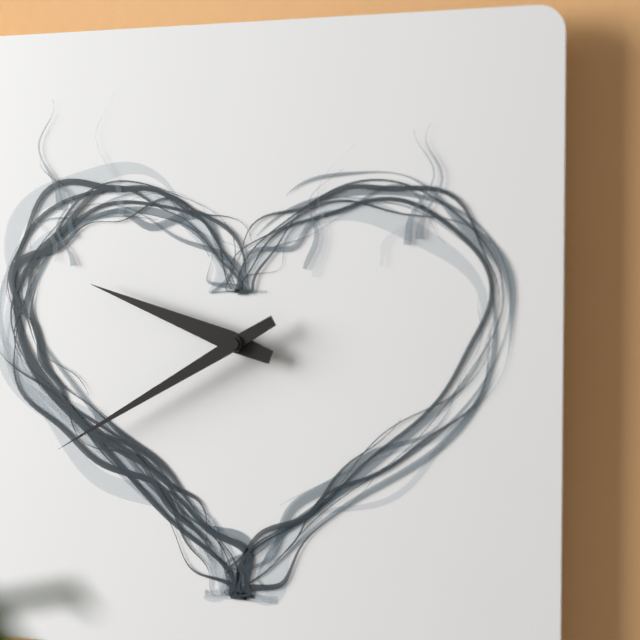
9 h 40 min
